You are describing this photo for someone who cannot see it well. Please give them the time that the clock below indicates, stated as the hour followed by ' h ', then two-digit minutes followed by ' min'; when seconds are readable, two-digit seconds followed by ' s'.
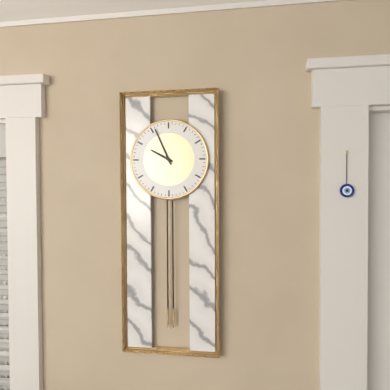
9 h 56 min
